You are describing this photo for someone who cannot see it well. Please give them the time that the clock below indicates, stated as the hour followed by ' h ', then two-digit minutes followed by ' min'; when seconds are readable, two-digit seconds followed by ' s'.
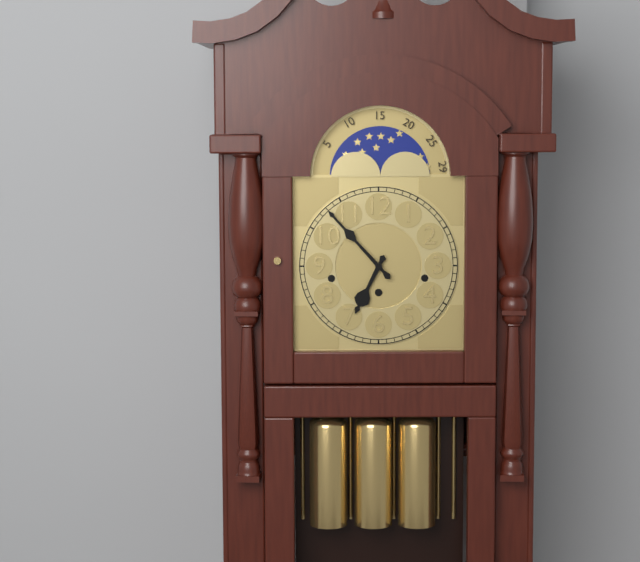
6 h 53 min
